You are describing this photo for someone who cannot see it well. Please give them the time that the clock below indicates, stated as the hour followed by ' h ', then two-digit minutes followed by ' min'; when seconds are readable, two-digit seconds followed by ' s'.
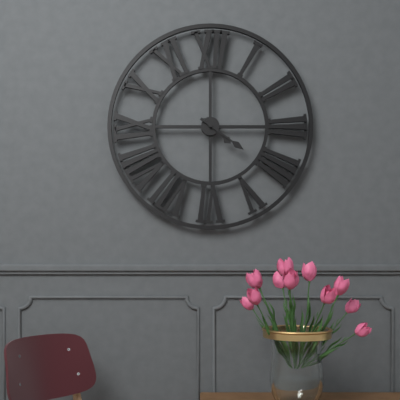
4 h 21 min
